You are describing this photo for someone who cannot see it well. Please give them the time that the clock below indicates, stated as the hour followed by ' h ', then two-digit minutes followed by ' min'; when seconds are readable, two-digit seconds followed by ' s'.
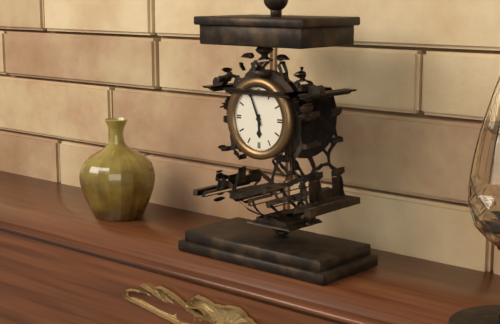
5 h 56 min
